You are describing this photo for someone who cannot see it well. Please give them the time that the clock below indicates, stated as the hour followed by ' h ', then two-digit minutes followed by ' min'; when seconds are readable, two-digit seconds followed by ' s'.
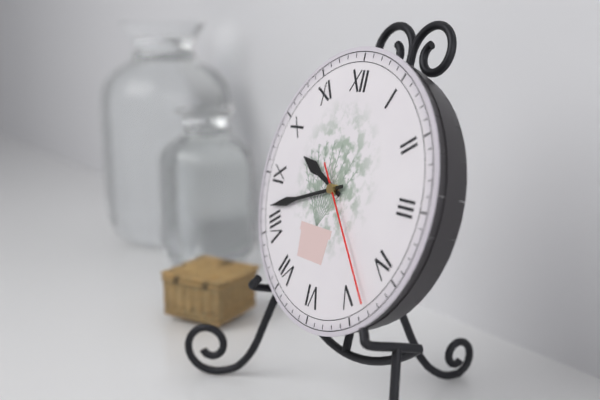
9 h 42 min 23 s
